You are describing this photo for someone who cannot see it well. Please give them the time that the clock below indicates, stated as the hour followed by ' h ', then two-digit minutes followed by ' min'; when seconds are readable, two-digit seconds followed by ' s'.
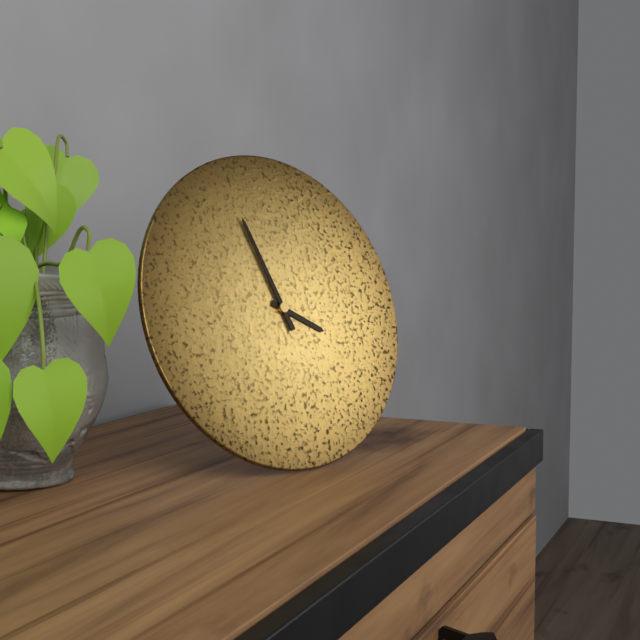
3 h 57 min
